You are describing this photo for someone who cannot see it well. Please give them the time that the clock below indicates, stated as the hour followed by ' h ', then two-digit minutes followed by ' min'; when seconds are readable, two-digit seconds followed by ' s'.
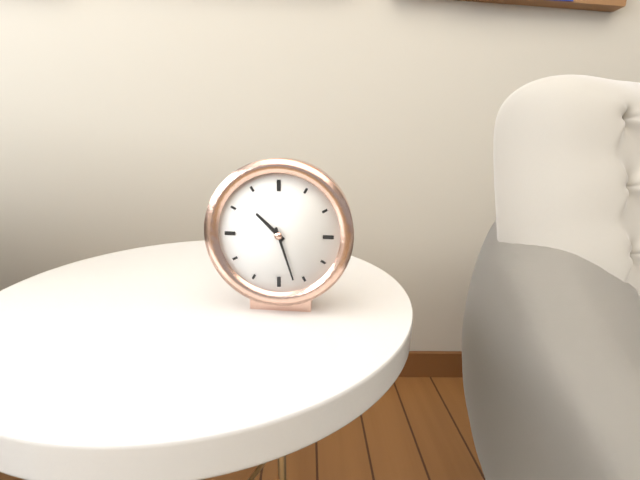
10 h 27 min
